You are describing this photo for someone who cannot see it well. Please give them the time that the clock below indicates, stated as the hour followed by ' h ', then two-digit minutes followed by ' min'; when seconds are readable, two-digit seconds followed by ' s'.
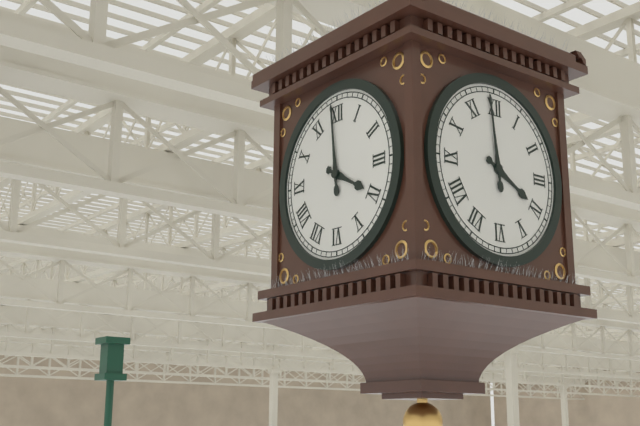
3 h 59 min
